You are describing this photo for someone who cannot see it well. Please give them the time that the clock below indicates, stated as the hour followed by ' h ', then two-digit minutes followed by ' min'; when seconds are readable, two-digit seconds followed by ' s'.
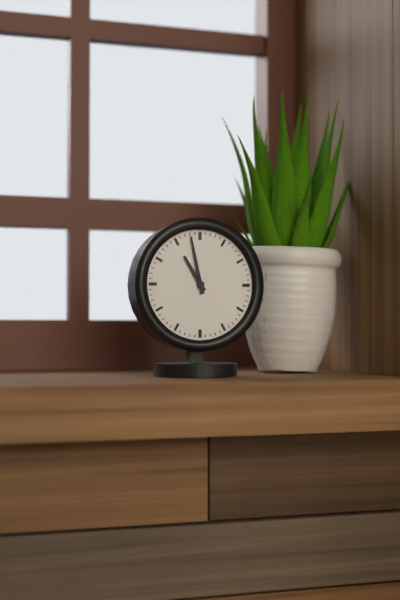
10 h 58 min
